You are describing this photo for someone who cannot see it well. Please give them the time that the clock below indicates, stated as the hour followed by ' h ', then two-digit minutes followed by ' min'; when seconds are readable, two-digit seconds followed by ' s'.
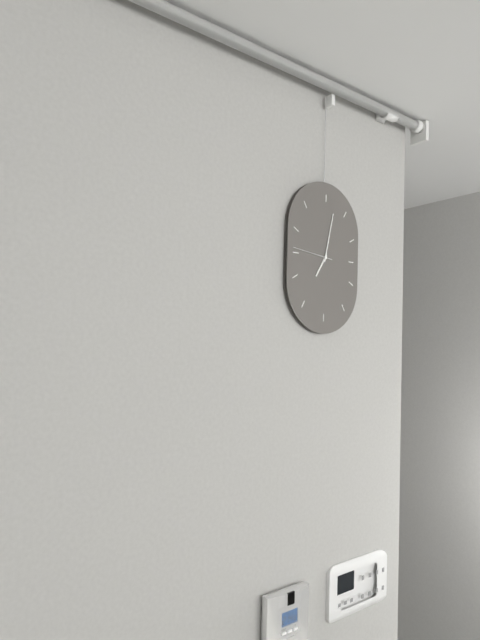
7 h 02 min
